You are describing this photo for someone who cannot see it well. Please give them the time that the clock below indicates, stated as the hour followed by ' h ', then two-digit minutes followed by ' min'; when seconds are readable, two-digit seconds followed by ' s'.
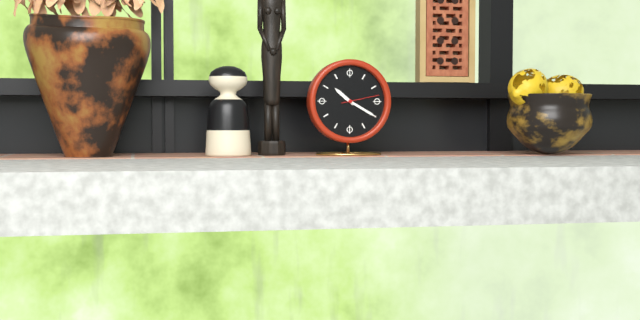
10 h 20 min
